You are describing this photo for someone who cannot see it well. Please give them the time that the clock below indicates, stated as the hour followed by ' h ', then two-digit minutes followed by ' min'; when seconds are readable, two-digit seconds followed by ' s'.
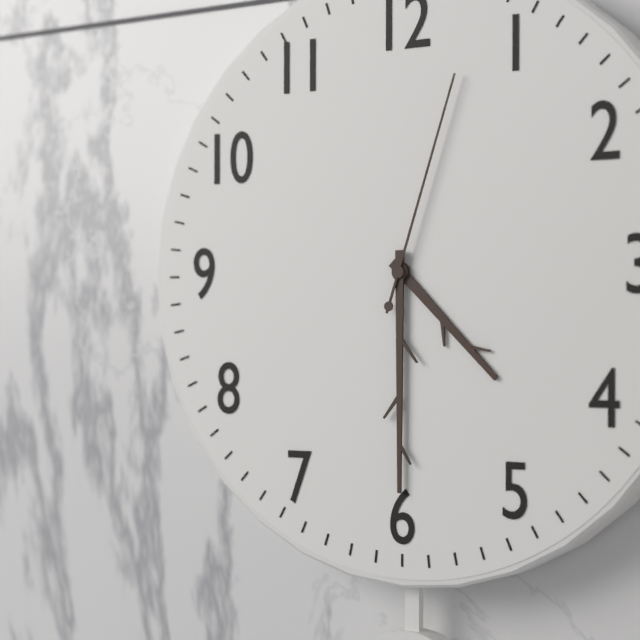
4 h 30 min 03 s
